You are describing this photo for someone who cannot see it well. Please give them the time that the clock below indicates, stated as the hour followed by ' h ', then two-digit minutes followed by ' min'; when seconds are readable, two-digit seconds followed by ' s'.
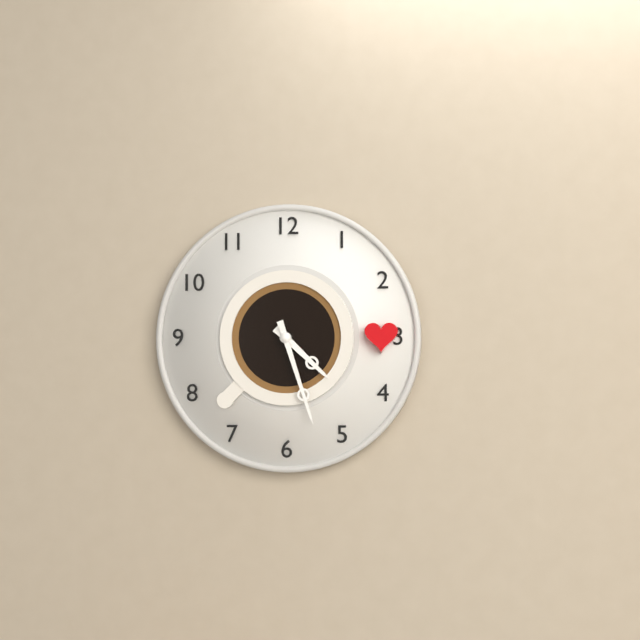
4 h 27 min
